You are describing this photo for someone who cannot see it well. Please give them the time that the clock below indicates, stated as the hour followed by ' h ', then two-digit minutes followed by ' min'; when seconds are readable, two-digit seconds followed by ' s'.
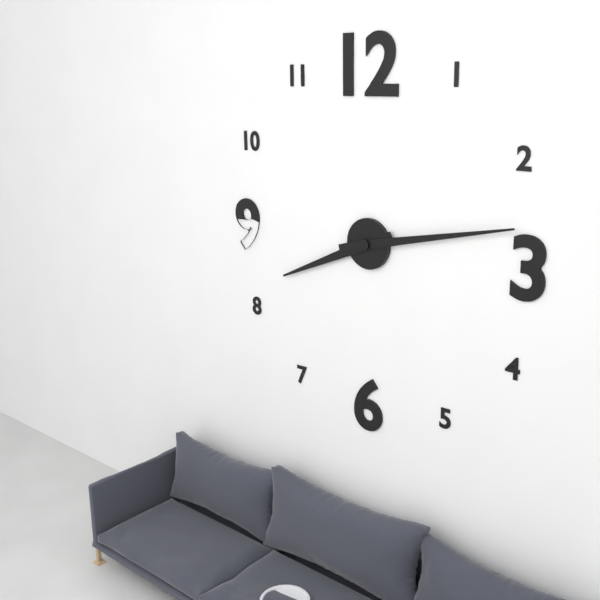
8 h 13 min
